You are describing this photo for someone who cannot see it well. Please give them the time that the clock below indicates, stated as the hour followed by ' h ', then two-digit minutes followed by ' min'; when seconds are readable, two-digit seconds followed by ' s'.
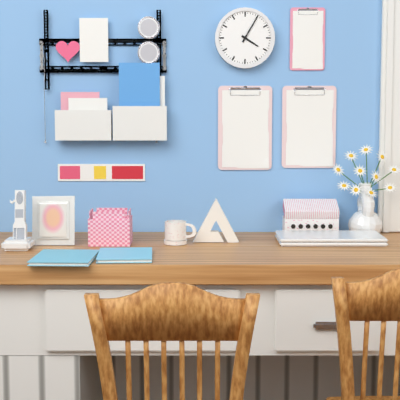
4 h 05 min
